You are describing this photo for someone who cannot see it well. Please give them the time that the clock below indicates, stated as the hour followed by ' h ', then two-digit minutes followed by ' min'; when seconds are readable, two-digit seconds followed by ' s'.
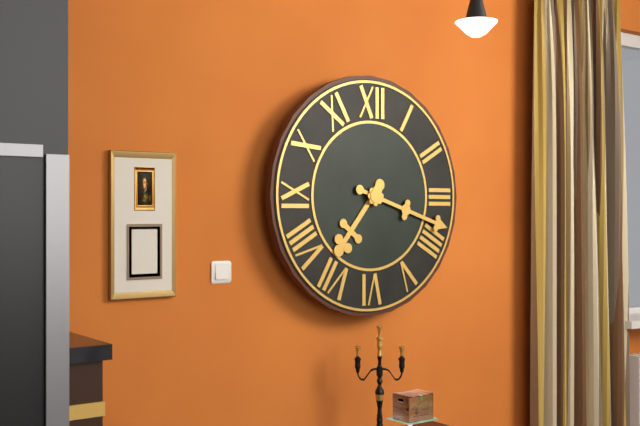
7 h 18 min
